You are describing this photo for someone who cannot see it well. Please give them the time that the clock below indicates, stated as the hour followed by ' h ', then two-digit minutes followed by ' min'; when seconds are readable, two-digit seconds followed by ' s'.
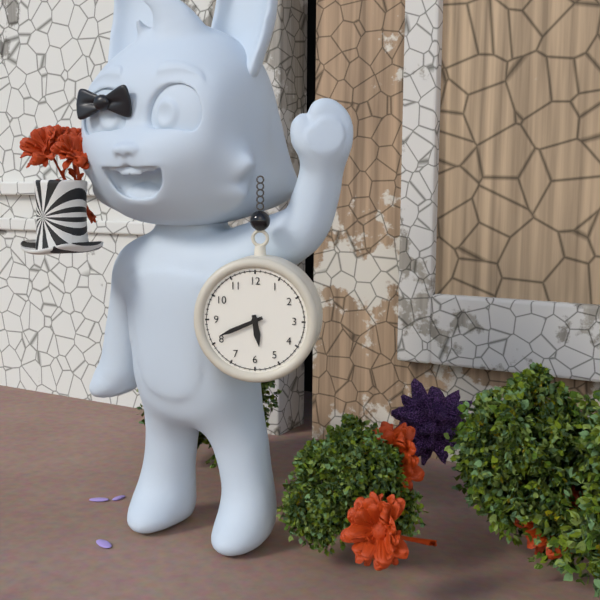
5 h 41 min
